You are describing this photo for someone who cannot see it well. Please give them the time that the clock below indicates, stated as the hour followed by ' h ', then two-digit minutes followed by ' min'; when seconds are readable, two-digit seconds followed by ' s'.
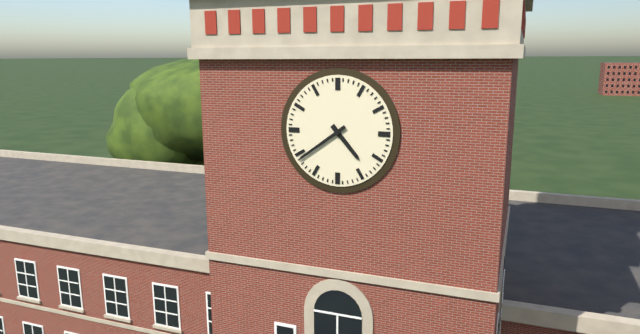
4 h 39 min
